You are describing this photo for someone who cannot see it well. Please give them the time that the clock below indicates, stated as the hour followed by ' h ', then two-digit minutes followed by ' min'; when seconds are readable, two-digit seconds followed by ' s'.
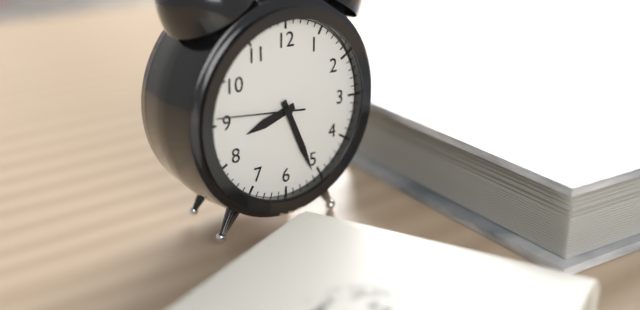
8 h 26 min 46 s
